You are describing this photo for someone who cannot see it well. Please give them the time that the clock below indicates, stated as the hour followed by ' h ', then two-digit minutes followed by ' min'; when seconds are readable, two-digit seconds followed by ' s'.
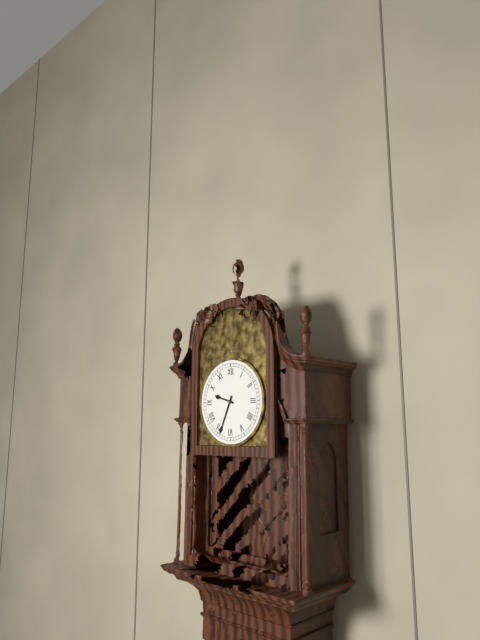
9 h 34 min
